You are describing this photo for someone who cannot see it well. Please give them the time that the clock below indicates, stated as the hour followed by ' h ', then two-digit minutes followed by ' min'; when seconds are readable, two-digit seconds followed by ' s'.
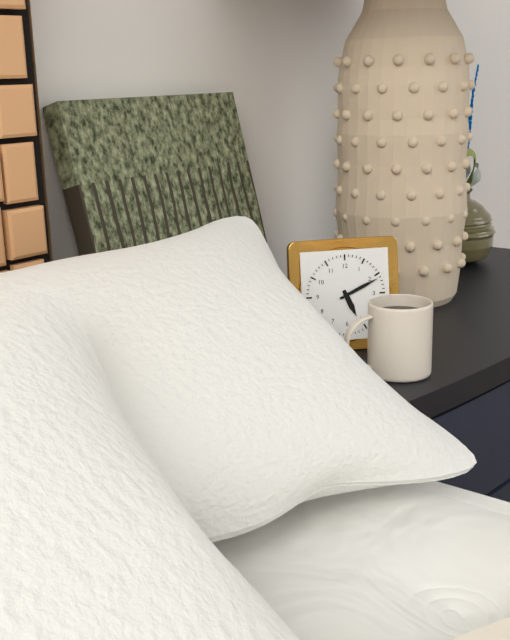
5 h 11 min
